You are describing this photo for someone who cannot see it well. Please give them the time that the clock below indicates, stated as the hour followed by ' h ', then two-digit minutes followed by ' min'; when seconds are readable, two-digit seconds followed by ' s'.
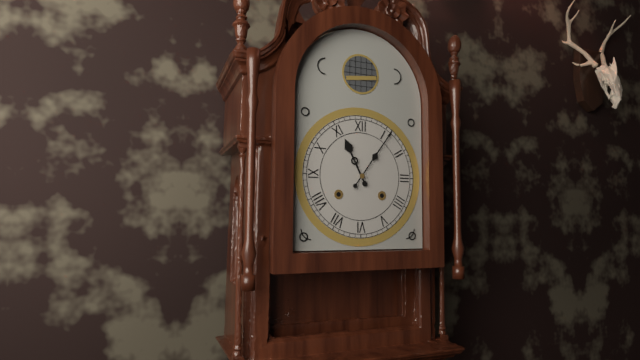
11 h 06 min
